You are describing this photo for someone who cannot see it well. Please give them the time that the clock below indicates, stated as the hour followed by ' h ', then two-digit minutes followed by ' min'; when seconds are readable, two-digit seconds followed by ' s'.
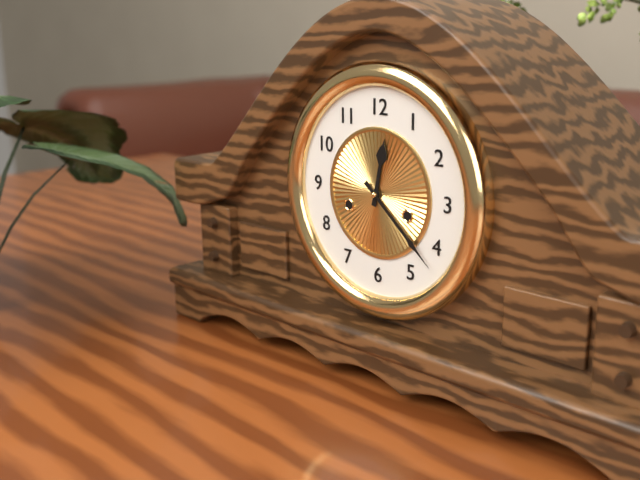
12 h 22 min
